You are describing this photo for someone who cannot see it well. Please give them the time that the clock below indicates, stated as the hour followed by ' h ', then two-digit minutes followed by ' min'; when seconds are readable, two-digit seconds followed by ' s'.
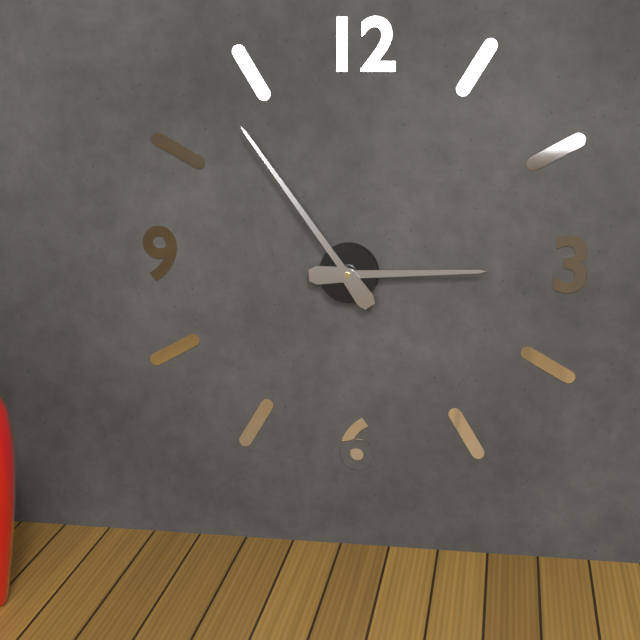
2 h 54 min
